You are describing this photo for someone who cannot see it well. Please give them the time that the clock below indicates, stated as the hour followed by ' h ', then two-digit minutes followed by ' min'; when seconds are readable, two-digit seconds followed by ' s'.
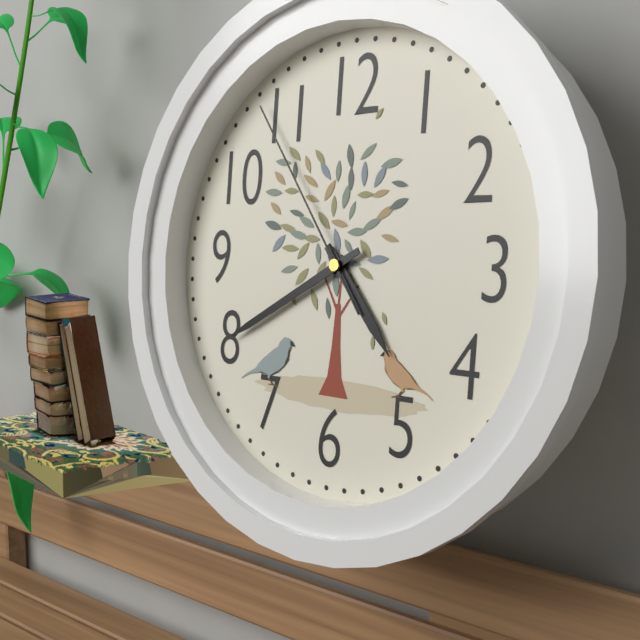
4 h 40 min 54 s
